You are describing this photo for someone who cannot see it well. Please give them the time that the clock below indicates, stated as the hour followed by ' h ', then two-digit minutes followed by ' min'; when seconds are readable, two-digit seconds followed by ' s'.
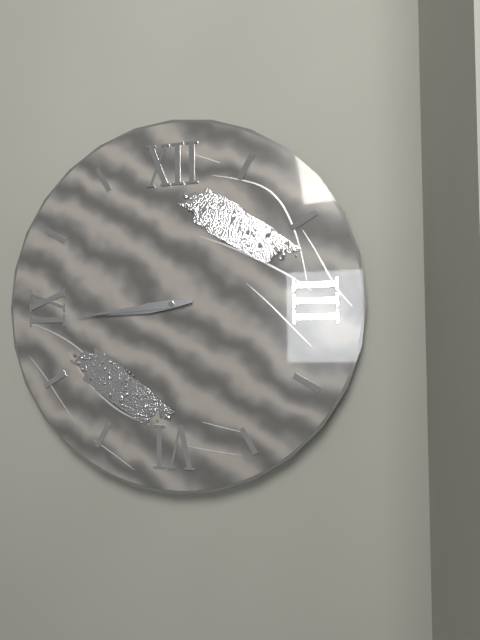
8 h 44 min
